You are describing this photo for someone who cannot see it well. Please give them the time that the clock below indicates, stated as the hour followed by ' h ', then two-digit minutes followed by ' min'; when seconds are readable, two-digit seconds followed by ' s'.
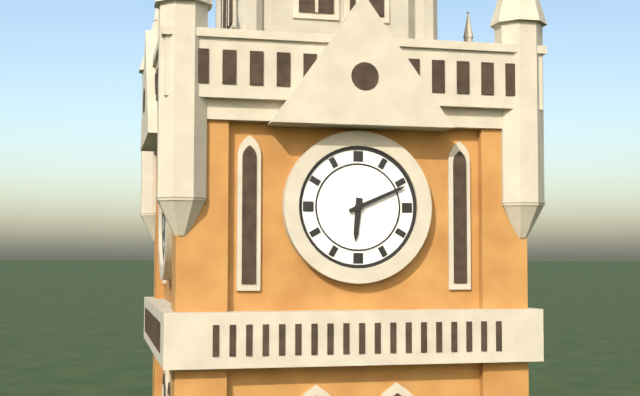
6 h 11 min
